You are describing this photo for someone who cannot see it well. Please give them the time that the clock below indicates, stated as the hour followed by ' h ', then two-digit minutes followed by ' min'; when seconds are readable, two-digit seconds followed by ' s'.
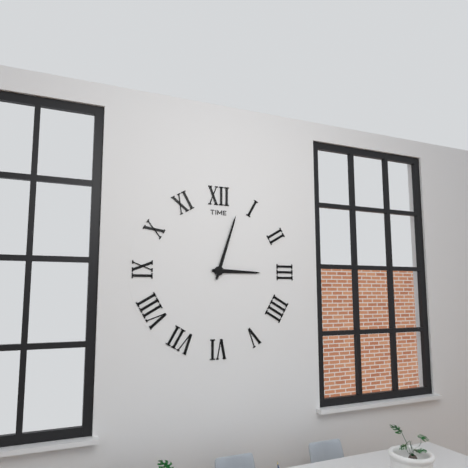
3 h 03 min
